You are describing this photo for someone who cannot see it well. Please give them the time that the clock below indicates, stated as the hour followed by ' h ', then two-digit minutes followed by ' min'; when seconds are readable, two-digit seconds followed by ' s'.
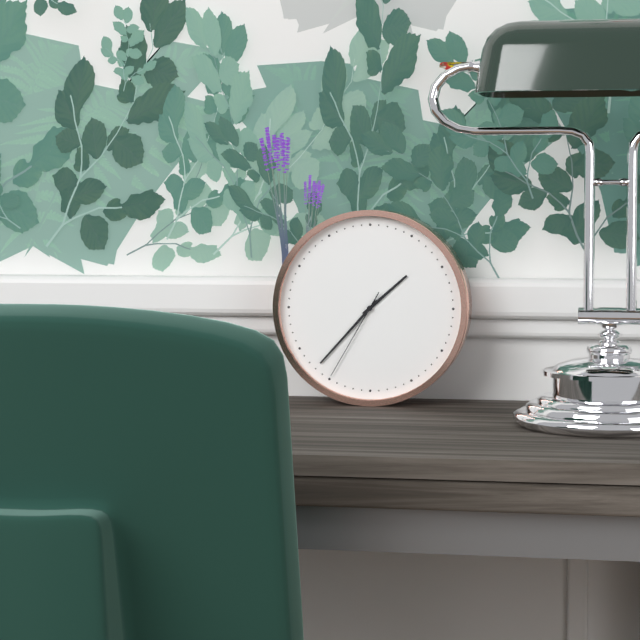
1 h 37 min 35 s
